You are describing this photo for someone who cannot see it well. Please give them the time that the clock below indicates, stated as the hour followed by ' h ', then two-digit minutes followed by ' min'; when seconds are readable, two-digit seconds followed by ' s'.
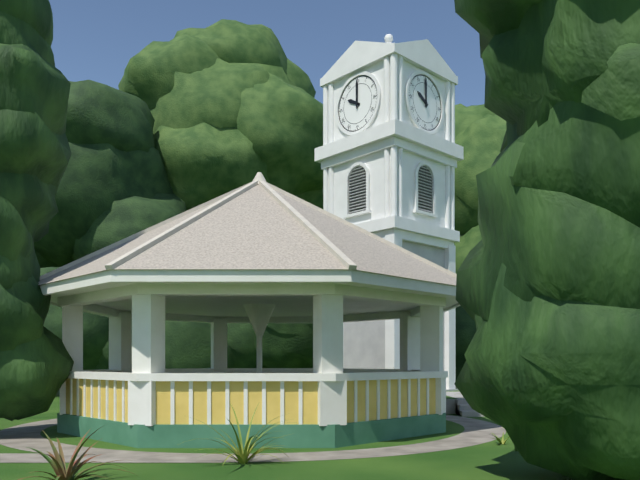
10 h 00 min
